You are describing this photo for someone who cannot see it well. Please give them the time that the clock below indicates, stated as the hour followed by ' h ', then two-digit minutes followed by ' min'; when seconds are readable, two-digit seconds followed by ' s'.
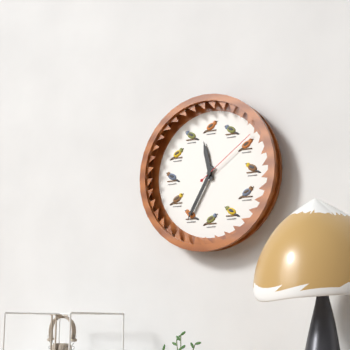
11 h 35 min 09 s
